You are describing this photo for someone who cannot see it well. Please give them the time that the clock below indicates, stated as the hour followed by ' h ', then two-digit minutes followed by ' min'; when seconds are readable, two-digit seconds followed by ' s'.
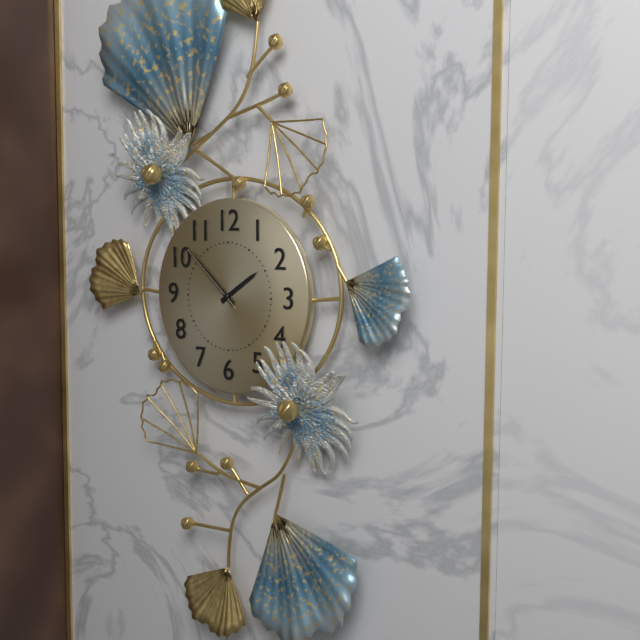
1 h 52 min 52 s
